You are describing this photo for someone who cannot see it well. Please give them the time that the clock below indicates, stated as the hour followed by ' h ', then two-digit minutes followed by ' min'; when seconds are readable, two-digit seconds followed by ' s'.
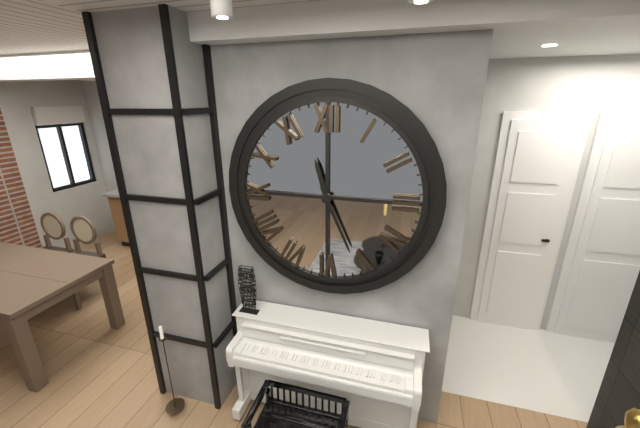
11 h 26 min
